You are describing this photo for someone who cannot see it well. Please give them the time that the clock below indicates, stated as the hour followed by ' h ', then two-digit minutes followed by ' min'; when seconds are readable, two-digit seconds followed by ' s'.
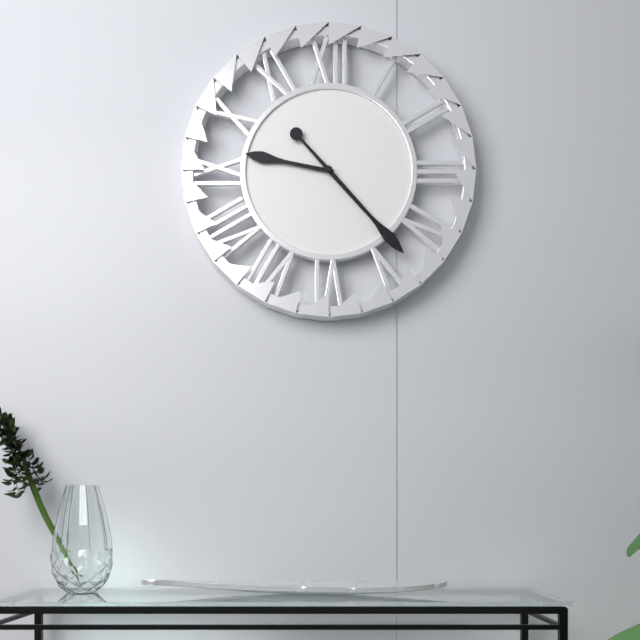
9 h 23 min
